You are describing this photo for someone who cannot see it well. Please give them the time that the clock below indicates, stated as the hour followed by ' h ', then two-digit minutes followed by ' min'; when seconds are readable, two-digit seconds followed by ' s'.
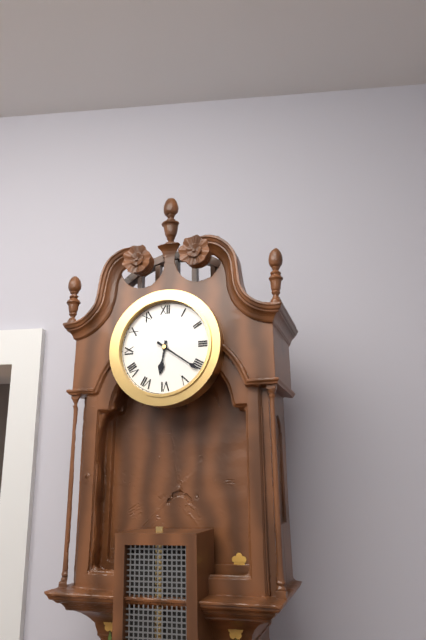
6 h 21 min
